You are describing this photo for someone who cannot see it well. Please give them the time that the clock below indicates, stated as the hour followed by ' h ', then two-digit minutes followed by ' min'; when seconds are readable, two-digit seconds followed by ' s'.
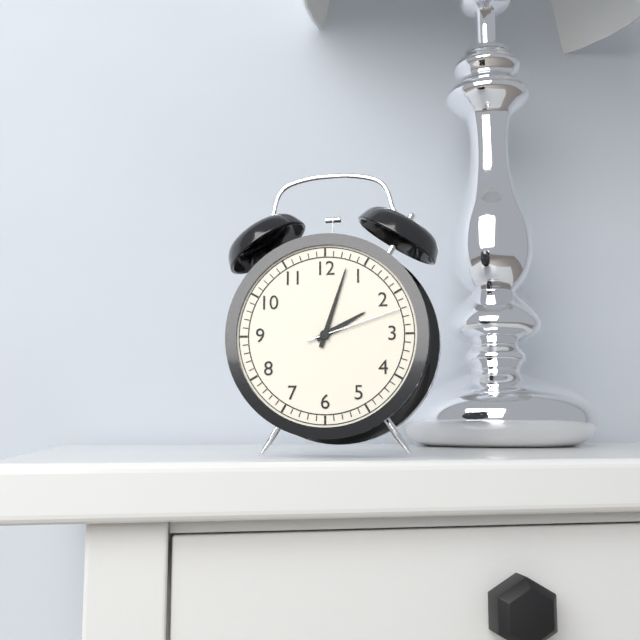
2 h 03 min 12 s
